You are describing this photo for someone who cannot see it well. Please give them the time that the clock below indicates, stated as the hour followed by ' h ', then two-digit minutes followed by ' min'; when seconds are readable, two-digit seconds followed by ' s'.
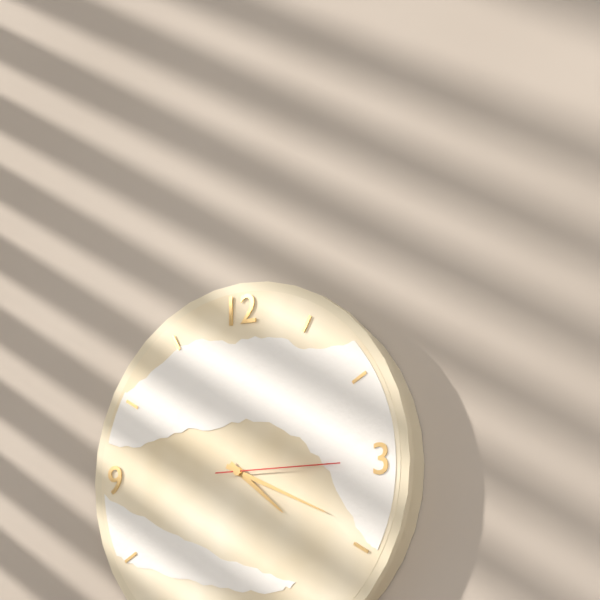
4 h 19 min 15 s
